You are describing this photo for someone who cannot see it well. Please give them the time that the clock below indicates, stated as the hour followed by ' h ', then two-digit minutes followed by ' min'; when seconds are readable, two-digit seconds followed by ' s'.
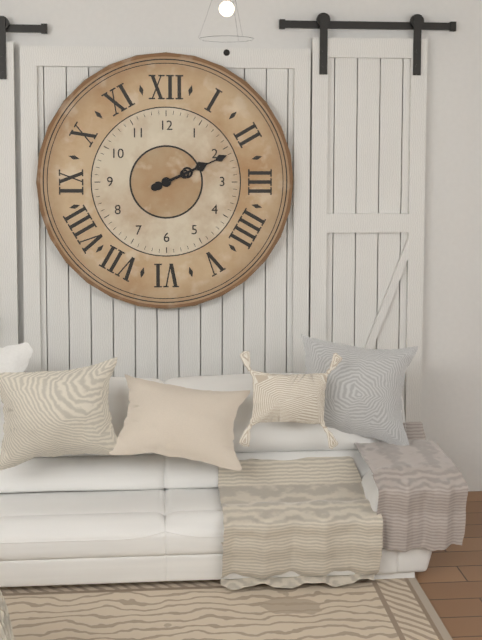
2 h 11 min
